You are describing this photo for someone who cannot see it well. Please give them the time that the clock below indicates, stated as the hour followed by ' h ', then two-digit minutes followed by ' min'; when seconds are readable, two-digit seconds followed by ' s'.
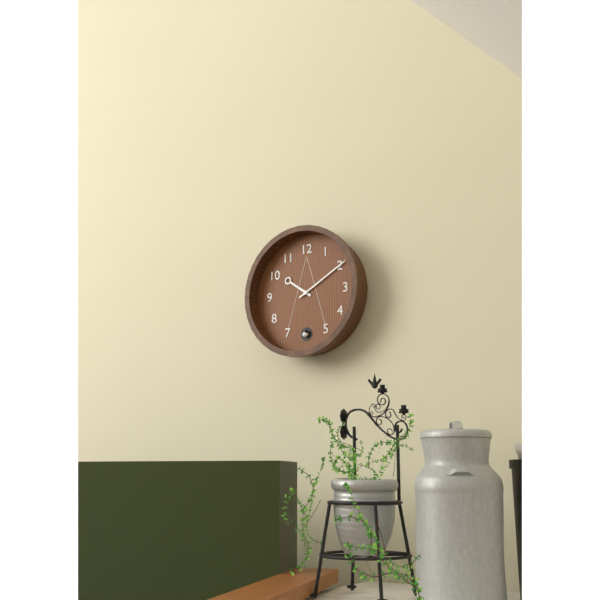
10 h 10 min
